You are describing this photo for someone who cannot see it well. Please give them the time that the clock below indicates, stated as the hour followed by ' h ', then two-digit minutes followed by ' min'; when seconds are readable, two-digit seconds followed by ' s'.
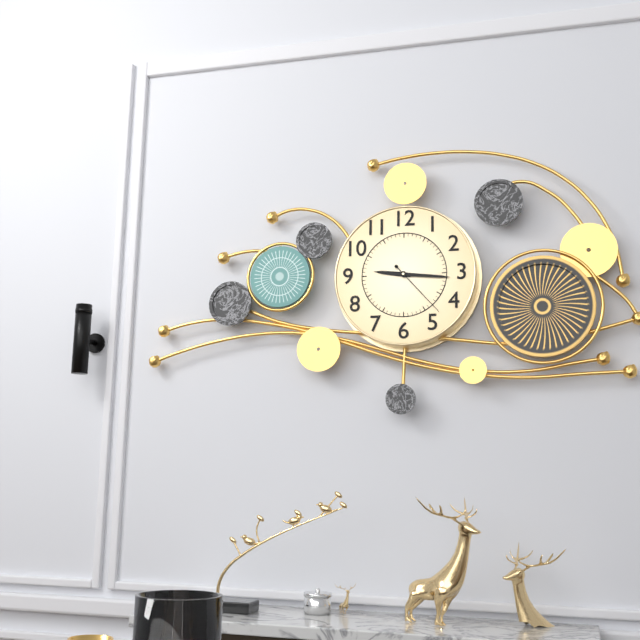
9 h 16 min 23 s
